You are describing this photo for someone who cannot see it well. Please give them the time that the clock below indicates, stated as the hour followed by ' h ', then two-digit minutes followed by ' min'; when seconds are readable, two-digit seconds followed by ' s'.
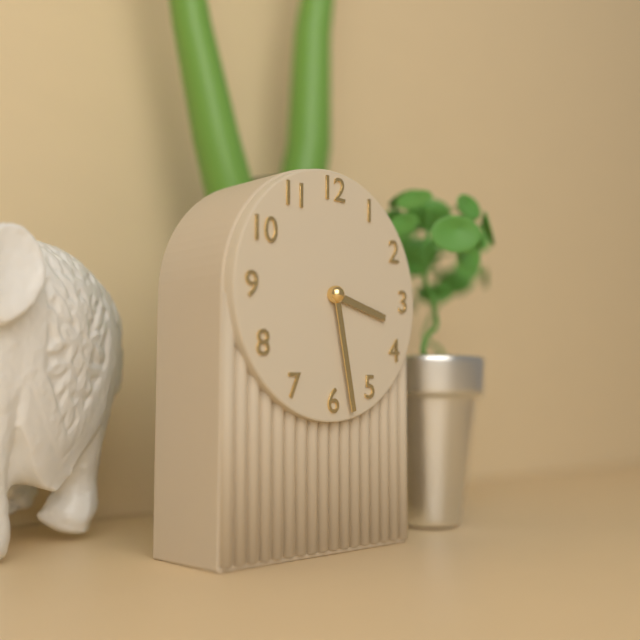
3 h 28 min
